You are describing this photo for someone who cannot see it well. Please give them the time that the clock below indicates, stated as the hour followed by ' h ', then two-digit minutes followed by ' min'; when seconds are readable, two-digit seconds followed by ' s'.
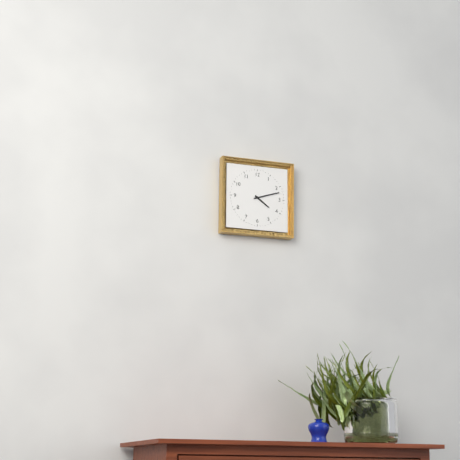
4 h 12 min
